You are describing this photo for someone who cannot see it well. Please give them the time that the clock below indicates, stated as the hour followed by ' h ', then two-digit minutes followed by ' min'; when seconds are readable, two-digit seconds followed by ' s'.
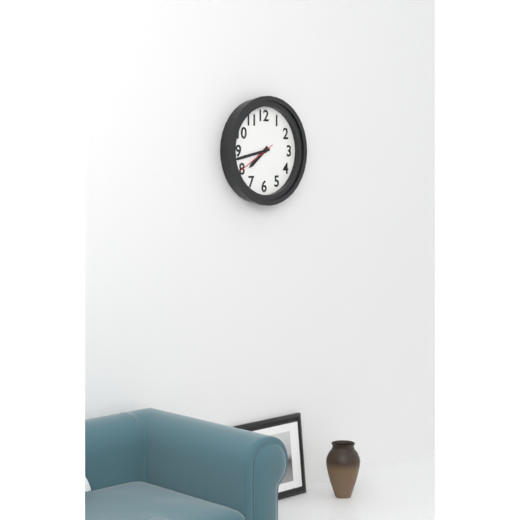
7 h 43 min
